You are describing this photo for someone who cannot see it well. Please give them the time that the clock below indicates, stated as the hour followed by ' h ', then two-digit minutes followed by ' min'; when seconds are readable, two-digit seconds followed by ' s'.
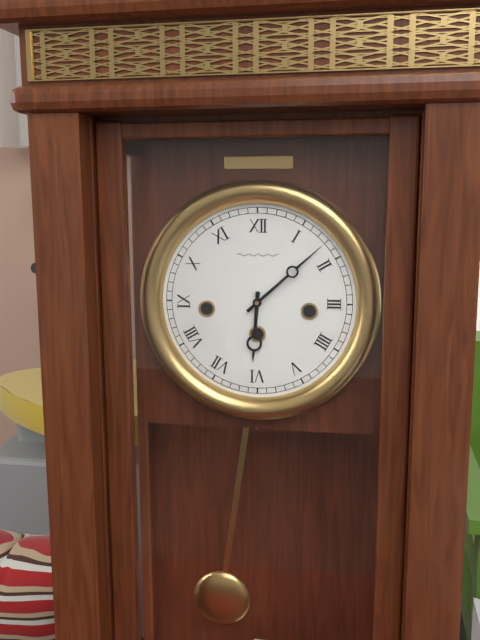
6 h 08 min
